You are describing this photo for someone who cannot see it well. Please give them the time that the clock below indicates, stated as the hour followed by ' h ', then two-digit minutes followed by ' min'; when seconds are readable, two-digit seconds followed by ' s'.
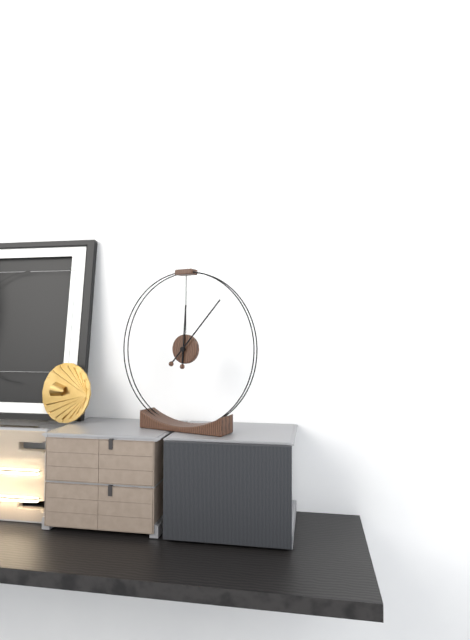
12 h 07 min
